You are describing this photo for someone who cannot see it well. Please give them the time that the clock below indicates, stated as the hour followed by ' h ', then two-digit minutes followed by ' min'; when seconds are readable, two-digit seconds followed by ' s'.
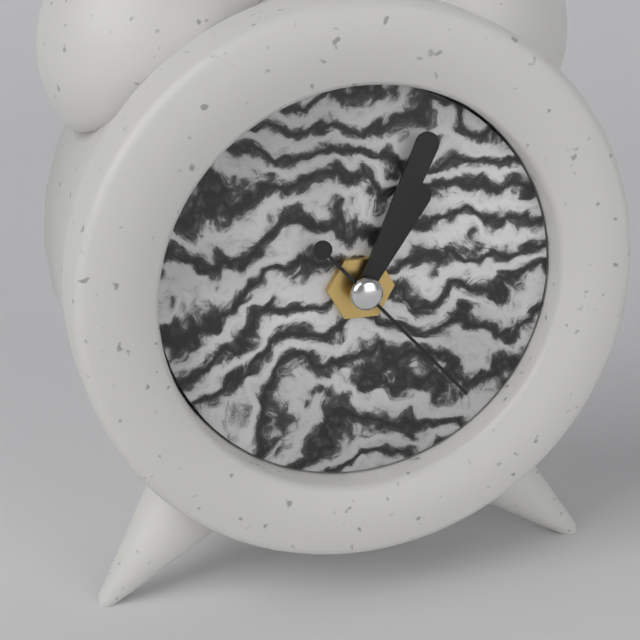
1 h 04 min 23 s
